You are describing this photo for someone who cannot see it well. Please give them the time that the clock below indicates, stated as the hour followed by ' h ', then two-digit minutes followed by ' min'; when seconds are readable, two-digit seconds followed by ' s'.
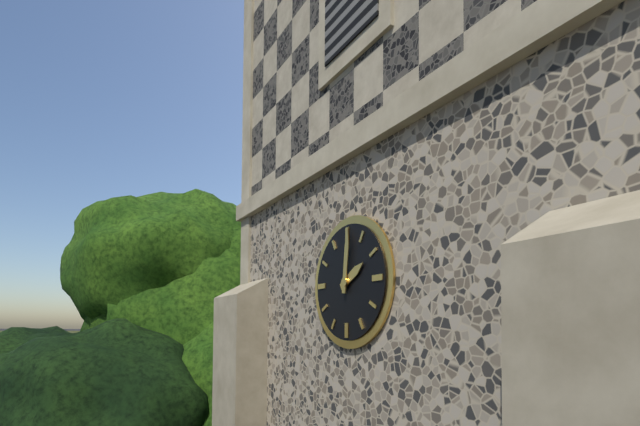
2 h 01 min
